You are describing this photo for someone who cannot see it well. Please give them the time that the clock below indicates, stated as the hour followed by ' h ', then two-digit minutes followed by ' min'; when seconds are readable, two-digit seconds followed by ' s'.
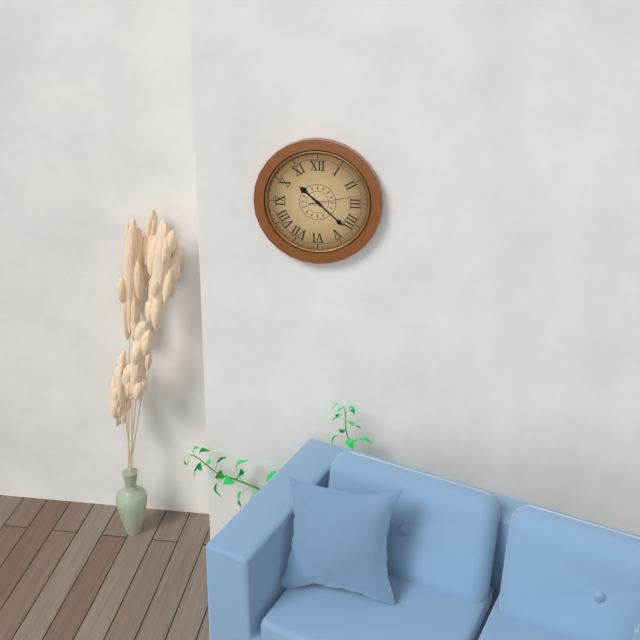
10 h 22 min 13 s
